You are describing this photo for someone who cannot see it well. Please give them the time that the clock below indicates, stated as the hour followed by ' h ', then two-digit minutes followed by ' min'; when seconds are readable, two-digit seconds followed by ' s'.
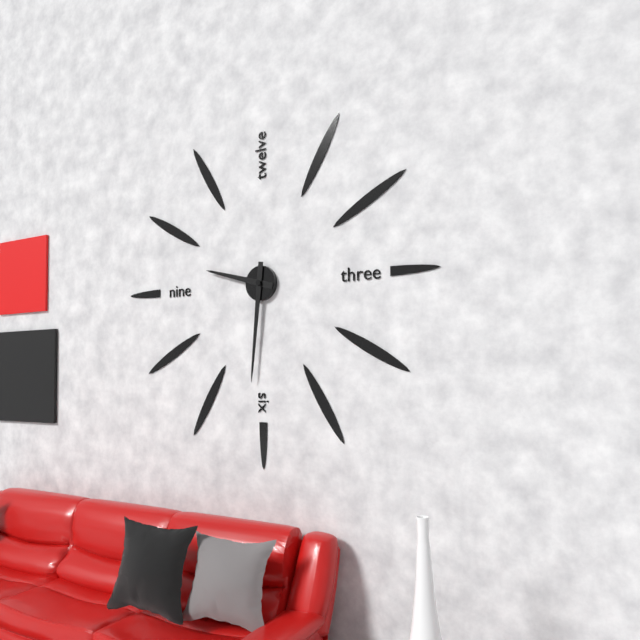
9 h 31 min
